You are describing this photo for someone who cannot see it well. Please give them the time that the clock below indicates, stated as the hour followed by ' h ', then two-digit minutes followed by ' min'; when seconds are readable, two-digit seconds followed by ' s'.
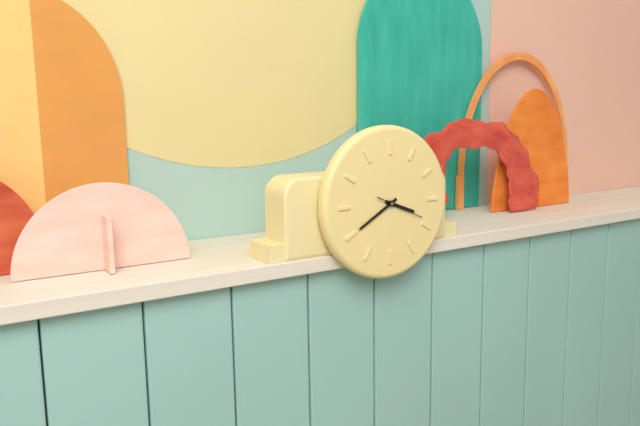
3 h 40 min
